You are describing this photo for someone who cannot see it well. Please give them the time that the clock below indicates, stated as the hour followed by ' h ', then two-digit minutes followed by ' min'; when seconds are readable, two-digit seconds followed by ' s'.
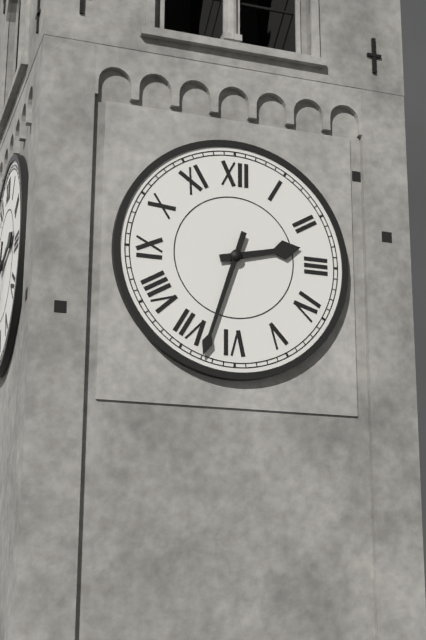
2 h 33 min
